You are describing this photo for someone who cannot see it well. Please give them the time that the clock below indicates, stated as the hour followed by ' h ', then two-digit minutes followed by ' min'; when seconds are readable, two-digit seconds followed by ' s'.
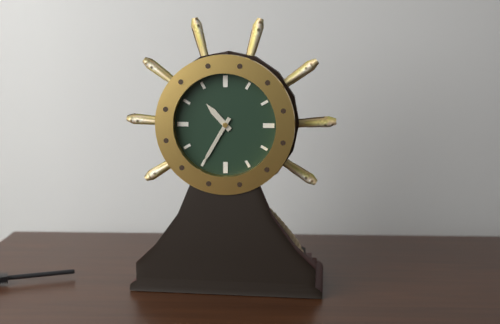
10 h 35 min
